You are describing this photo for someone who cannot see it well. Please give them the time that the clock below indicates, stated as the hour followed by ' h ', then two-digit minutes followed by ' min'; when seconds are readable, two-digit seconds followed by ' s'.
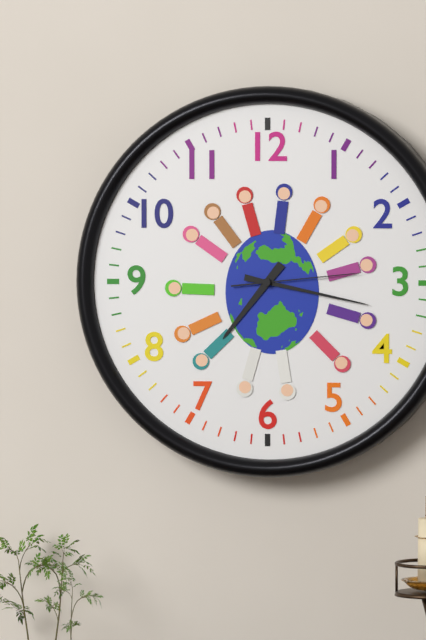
7 h 17 min 14 s
